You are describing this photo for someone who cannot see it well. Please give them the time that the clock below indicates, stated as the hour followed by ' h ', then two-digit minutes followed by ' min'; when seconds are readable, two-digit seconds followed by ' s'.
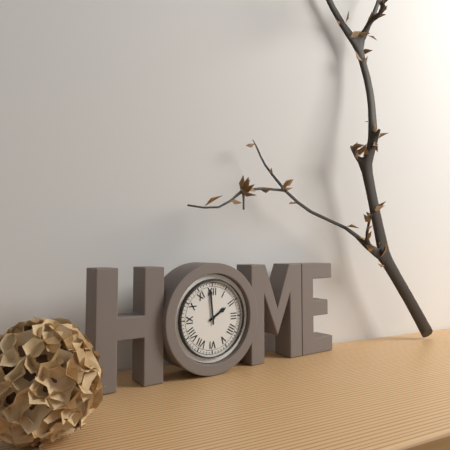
1 h 59 min
